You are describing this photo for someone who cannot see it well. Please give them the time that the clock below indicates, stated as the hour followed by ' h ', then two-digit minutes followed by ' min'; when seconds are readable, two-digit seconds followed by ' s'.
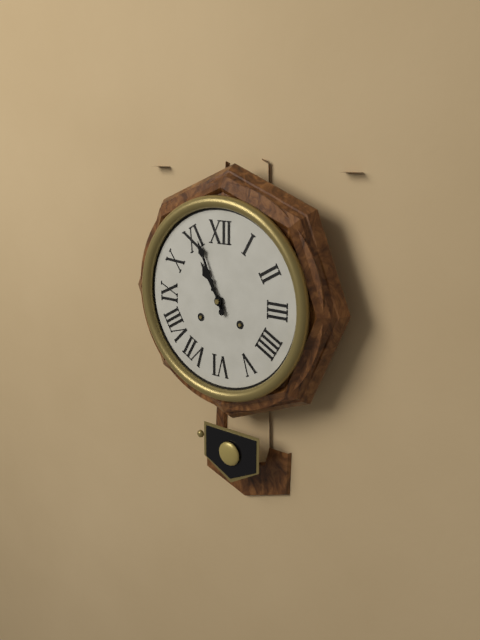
10 h 56 min
